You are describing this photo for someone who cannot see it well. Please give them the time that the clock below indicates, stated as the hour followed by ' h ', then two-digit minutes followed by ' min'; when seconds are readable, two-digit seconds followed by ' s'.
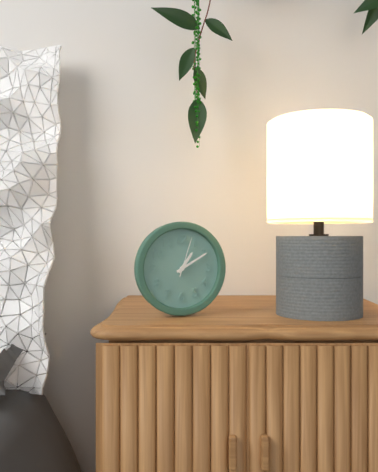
1 h 10 min
